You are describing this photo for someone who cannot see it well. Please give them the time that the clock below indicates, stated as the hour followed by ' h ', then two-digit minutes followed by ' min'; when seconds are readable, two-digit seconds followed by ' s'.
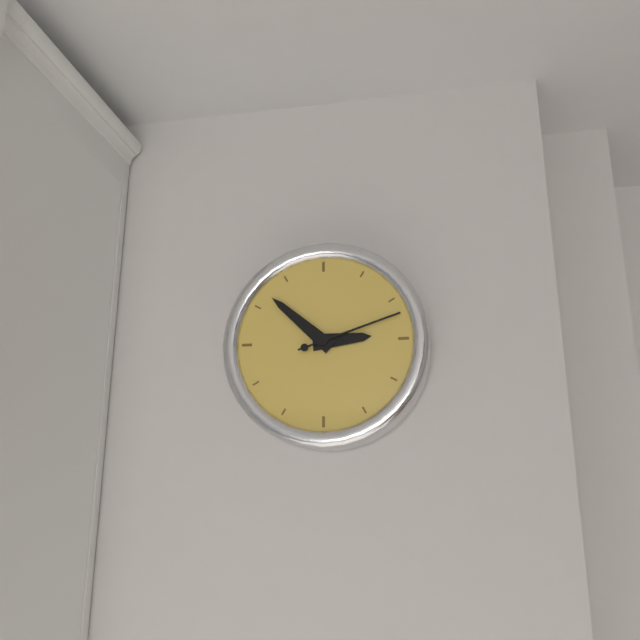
2 h 52 min 12 s
